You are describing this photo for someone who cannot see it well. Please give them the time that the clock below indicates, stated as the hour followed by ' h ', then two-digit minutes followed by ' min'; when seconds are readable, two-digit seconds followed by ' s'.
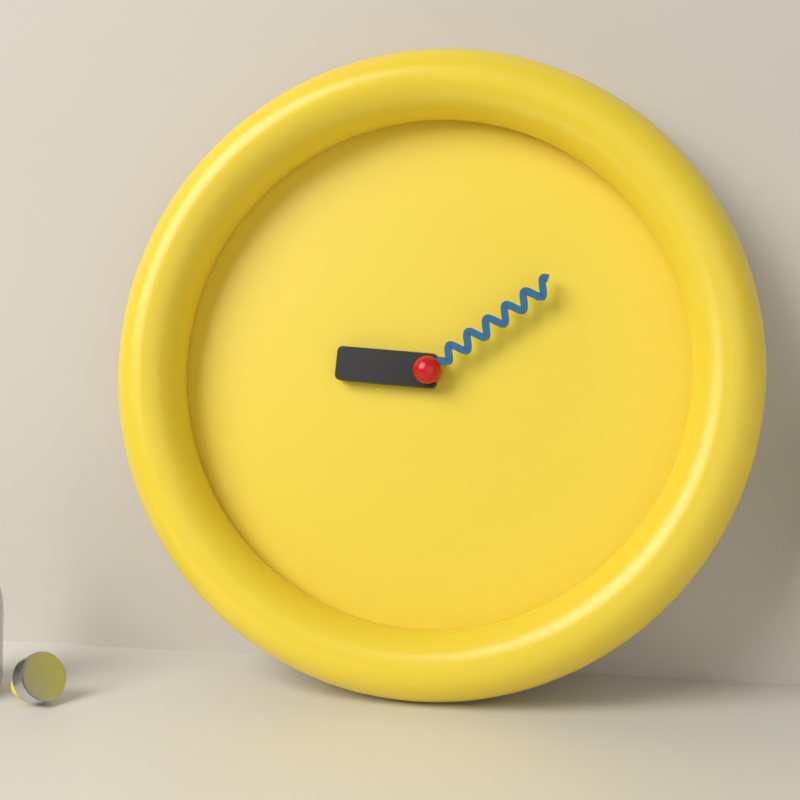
9 h 09 min
